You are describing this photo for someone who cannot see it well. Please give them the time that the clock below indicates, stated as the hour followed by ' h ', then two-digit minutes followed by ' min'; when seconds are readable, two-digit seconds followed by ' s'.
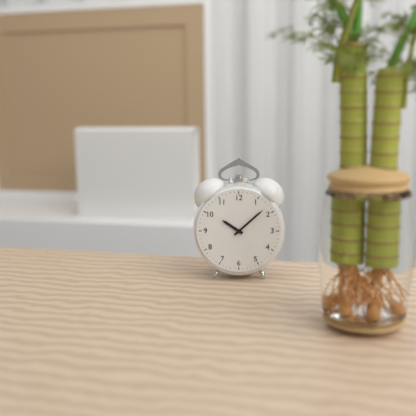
10 h 08 min
